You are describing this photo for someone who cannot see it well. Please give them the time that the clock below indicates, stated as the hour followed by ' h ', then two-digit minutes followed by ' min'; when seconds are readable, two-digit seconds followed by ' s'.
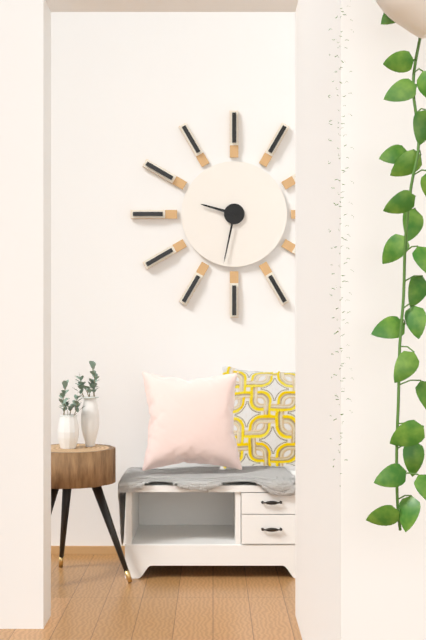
9 h 32 min
